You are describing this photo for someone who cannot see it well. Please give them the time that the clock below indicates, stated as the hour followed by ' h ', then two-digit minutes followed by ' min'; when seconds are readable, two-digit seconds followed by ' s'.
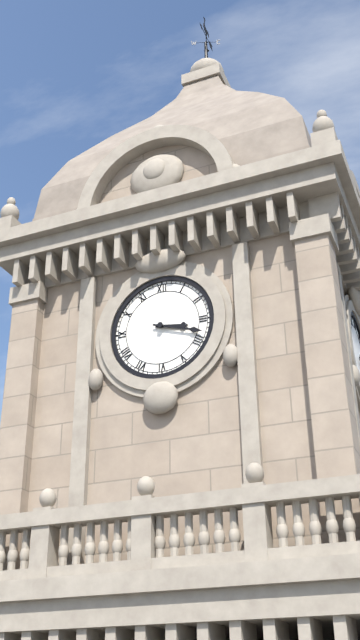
3 h 18 min
